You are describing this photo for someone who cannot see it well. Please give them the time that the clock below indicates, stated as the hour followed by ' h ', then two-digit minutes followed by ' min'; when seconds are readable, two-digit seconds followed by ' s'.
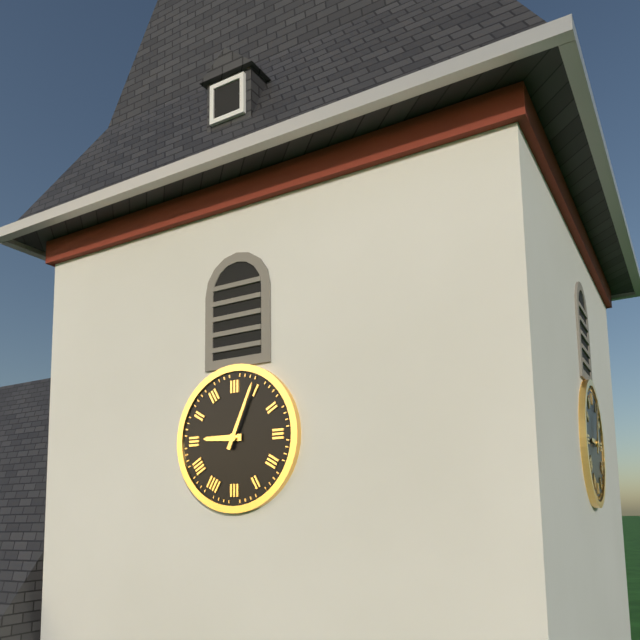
9 h 04 min
